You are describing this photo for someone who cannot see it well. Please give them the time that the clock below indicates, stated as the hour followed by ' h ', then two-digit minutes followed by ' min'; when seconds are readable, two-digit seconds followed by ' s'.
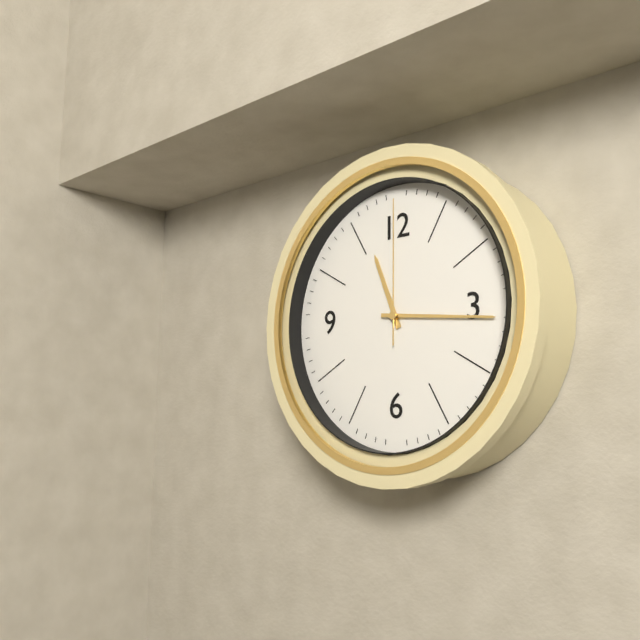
11 h 16 min 00 s
